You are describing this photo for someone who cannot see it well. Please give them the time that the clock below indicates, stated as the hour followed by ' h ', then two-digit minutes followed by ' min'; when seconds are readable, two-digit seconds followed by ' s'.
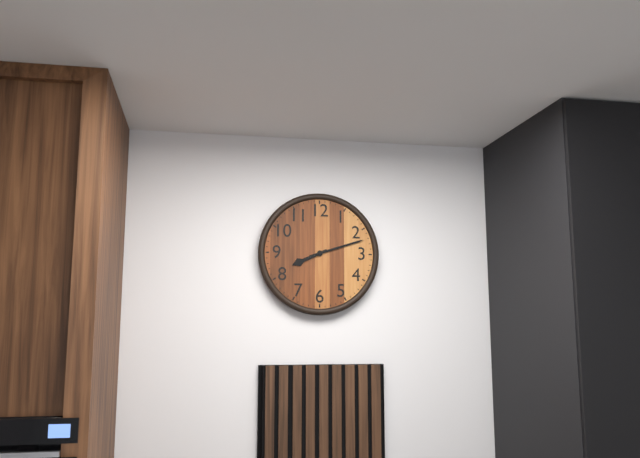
8 h 12 min
